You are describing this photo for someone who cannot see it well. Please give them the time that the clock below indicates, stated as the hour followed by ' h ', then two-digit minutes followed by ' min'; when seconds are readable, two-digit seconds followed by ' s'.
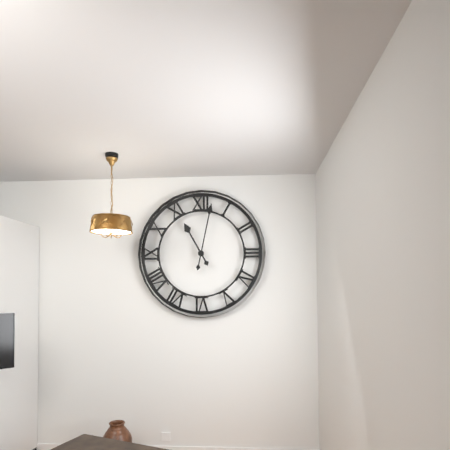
11 h 02 min
